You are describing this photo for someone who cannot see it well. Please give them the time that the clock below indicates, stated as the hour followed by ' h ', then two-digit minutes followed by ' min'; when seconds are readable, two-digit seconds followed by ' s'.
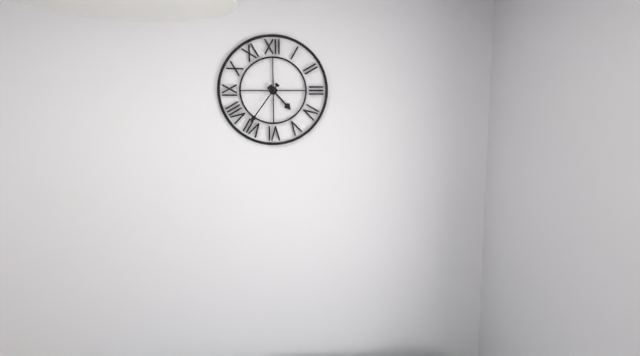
4 h 36 min
